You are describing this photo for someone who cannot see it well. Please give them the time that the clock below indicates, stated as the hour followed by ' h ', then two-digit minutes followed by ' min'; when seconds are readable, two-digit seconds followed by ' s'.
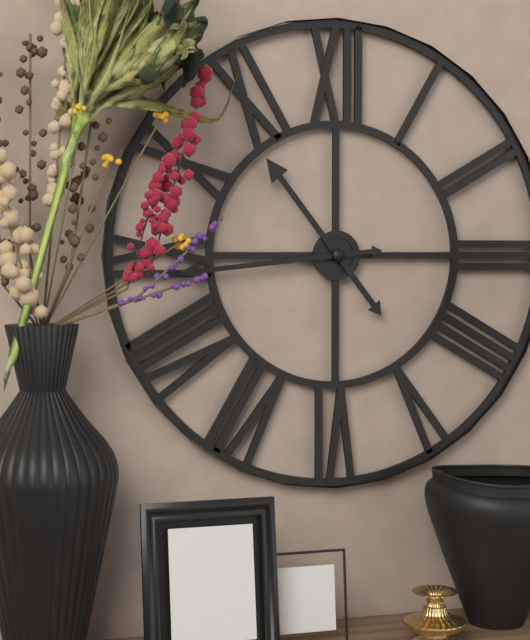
10 h 44 min
